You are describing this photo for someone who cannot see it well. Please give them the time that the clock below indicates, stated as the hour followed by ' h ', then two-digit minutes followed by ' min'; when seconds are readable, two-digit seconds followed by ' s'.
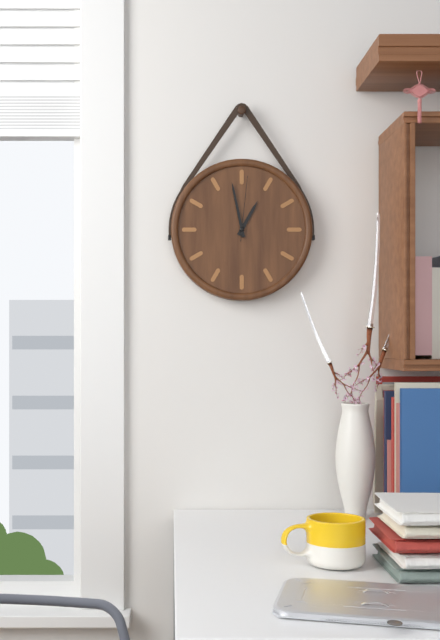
12 h 58 min 01 s
